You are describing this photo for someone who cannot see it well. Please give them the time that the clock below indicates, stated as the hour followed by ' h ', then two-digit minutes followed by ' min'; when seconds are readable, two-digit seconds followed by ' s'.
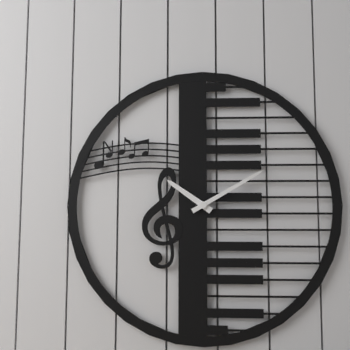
10 h 10 min
